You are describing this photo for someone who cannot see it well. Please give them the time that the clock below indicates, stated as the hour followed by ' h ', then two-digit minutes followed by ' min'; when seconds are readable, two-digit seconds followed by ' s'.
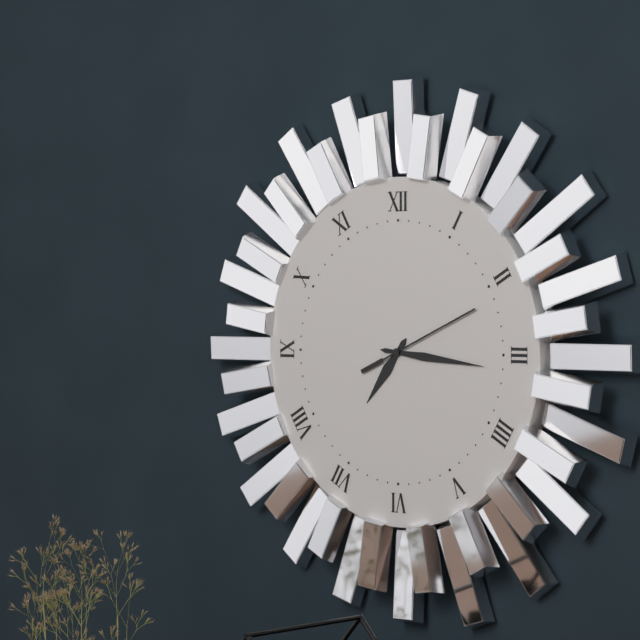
7 h 16 min 11 s
